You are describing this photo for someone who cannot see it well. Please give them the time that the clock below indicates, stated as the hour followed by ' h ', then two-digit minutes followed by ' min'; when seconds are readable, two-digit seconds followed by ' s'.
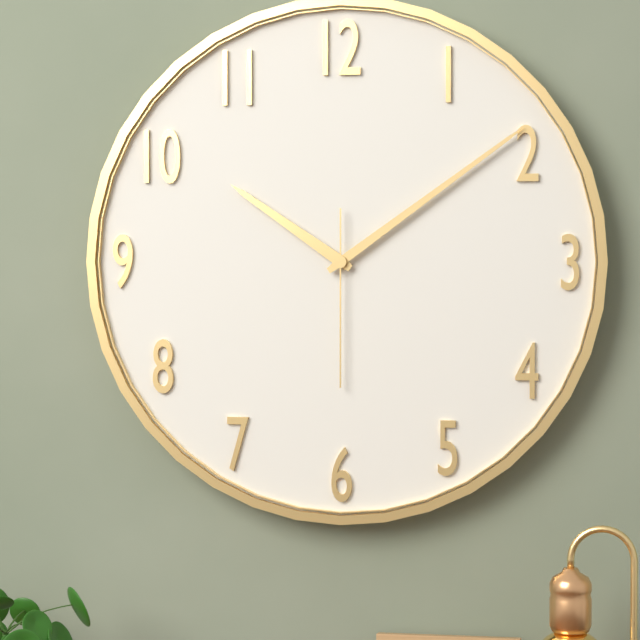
10 h 09 min 30 s
